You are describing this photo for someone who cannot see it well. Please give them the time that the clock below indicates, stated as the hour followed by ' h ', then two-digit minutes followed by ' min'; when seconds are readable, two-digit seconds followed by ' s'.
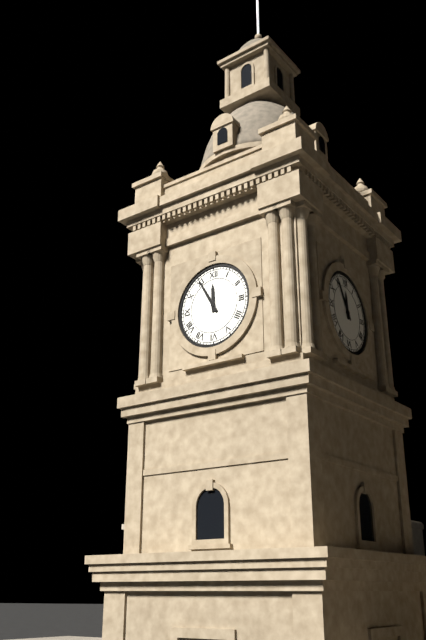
11 h 55 min
